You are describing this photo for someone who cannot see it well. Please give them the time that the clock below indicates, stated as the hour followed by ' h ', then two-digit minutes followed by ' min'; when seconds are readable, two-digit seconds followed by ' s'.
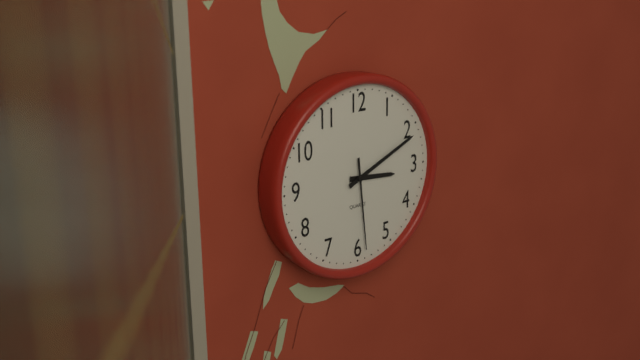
3 h 11 min 29 s
